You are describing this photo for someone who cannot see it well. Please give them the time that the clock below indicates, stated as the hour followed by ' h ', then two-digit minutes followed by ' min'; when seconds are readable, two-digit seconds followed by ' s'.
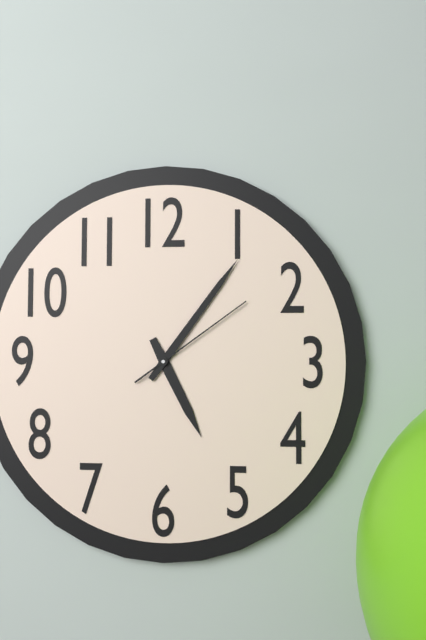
5 h 06 min 09 s
